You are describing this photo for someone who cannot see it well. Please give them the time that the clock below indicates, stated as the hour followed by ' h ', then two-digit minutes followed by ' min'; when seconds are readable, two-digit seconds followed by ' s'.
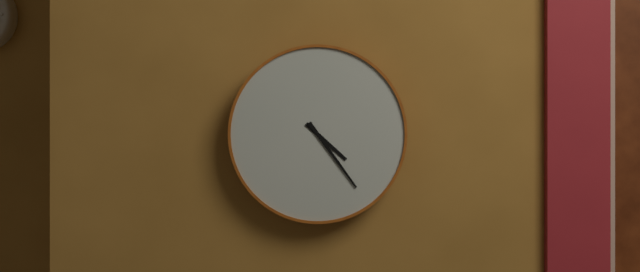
4 h 24 min
